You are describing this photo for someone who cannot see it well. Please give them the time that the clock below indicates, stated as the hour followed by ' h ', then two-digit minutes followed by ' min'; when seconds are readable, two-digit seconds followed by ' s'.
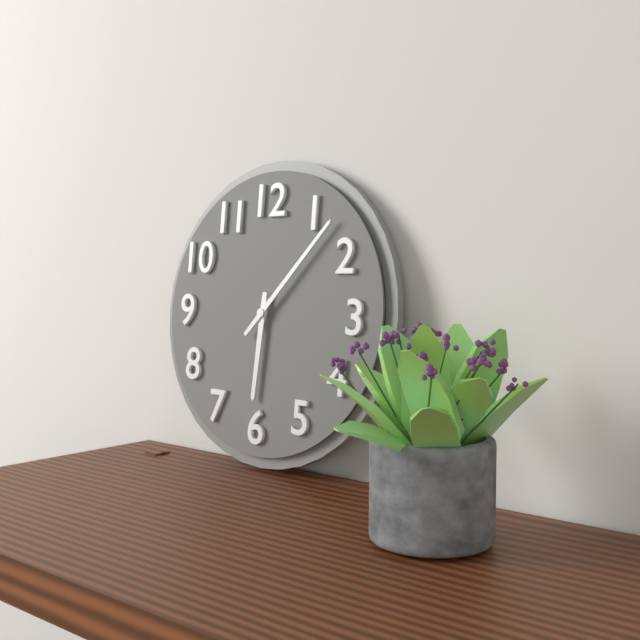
6 h 07 min
